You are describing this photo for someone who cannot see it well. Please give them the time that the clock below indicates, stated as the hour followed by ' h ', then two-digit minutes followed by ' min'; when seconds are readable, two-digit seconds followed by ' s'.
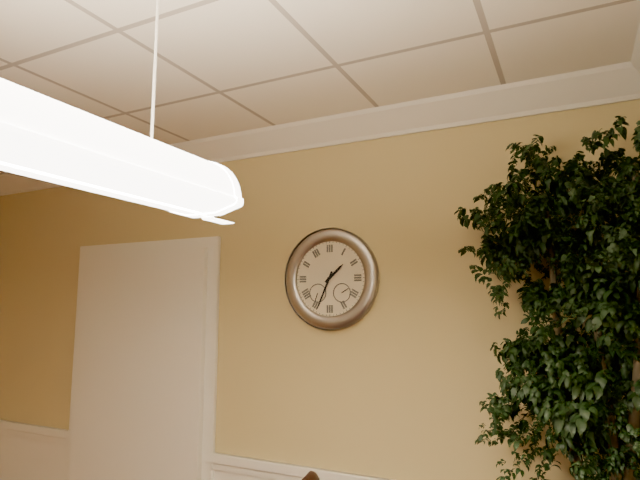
1 h 34 min
